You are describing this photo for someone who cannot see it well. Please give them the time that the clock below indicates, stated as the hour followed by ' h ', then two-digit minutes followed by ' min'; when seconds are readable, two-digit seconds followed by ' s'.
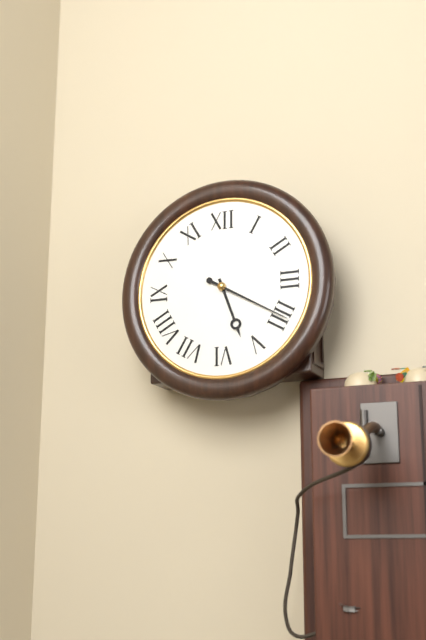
5 h 20 min
